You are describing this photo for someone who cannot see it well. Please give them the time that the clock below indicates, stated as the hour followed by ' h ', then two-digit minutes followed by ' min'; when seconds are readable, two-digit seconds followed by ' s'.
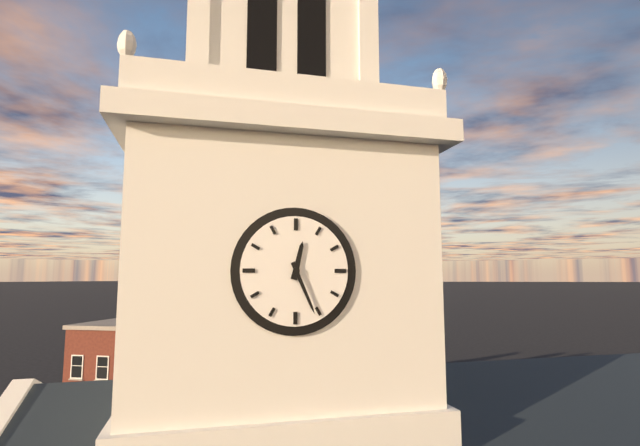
12 h 26 min
